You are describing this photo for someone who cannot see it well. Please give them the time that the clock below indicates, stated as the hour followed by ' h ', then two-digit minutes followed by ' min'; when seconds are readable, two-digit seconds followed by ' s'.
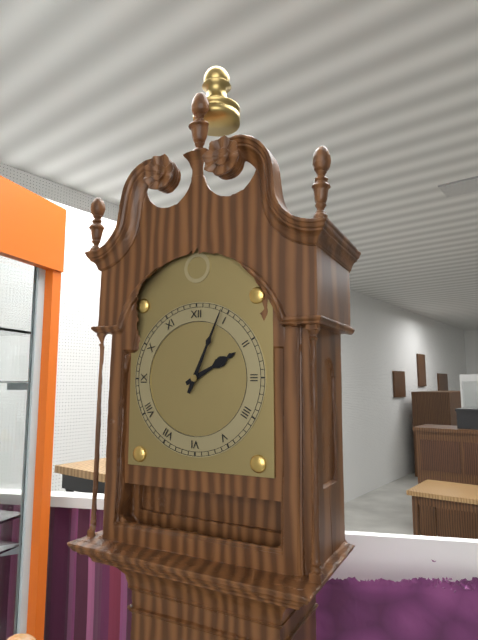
2 h 04 min
